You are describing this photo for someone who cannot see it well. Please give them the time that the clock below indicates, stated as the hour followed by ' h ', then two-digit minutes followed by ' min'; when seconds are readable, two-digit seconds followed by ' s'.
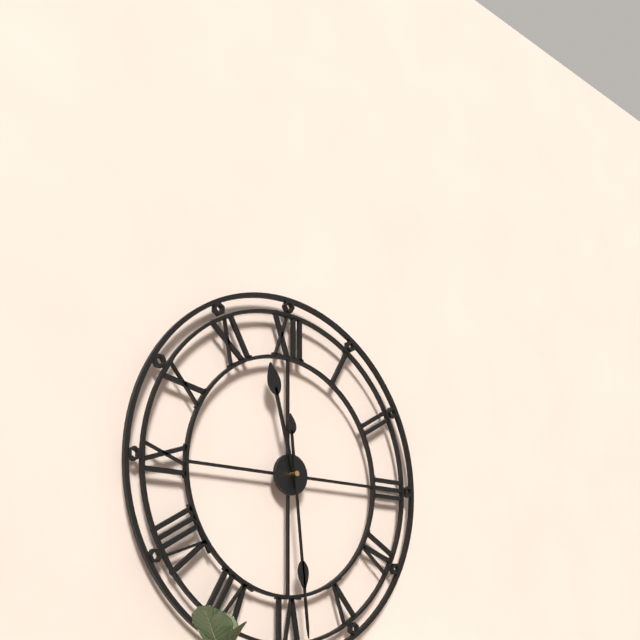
11 h 29 min
